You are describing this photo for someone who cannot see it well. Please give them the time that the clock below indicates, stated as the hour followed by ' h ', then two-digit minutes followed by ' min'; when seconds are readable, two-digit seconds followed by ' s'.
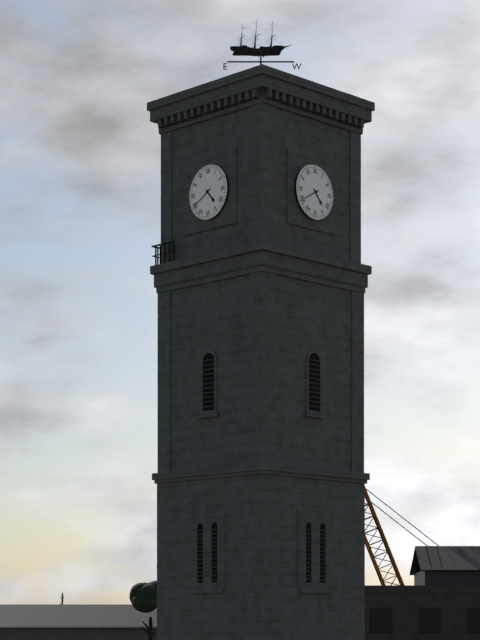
4 h 40 min
